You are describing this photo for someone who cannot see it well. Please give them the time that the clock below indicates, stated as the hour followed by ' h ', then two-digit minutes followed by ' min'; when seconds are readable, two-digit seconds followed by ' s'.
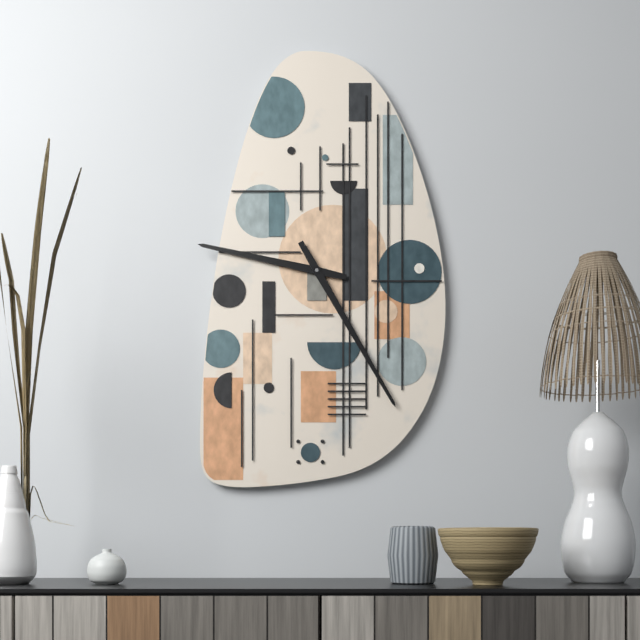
9 h 25 min
